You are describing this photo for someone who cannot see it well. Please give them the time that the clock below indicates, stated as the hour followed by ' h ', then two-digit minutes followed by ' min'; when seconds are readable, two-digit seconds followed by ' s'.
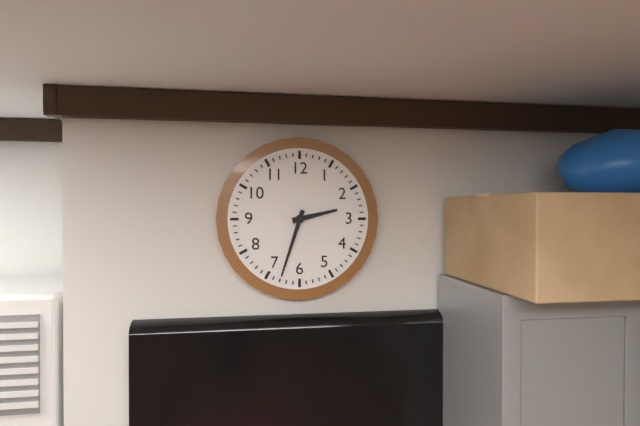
2 h 33 min
